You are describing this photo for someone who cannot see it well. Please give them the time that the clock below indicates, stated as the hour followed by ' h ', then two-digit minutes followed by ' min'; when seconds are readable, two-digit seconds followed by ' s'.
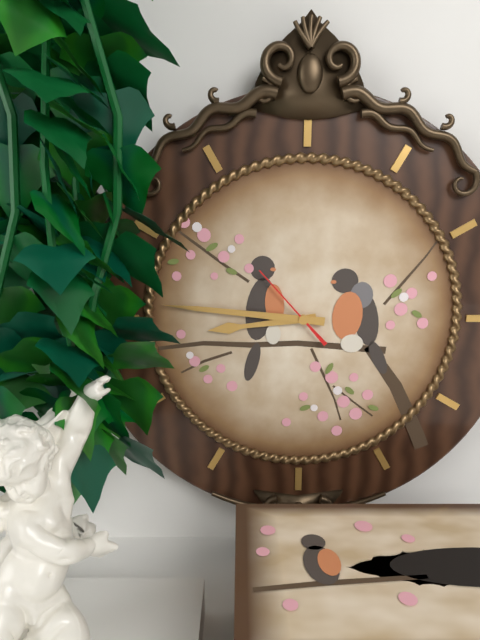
8 h 46 min 53 s
